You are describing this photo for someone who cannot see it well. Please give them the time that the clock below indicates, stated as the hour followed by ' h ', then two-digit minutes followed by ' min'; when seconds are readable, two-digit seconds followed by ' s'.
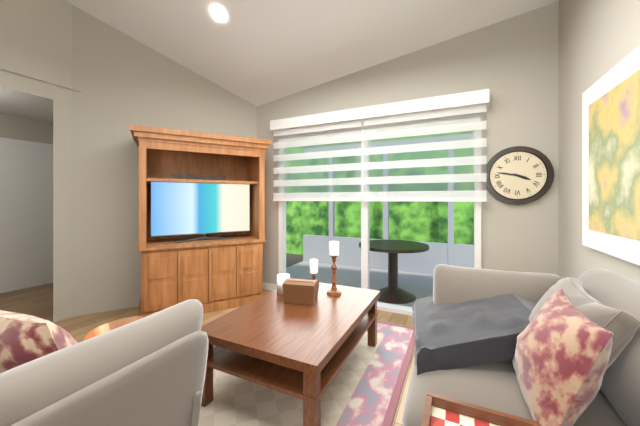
3 h 47 min
